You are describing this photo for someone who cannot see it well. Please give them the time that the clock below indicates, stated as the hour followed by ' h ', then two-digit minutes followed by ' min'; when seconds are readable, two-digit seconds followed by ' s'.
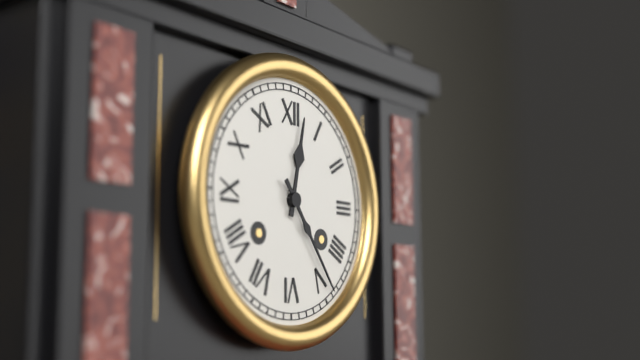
12 h 24 min
